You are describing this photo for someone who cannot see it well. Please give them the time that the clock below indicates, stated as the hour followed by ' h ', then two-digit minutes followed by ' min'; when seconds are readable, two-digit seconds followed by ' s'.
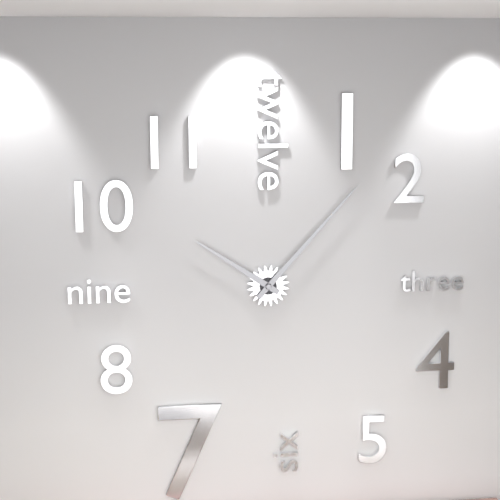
10 h 07 min
